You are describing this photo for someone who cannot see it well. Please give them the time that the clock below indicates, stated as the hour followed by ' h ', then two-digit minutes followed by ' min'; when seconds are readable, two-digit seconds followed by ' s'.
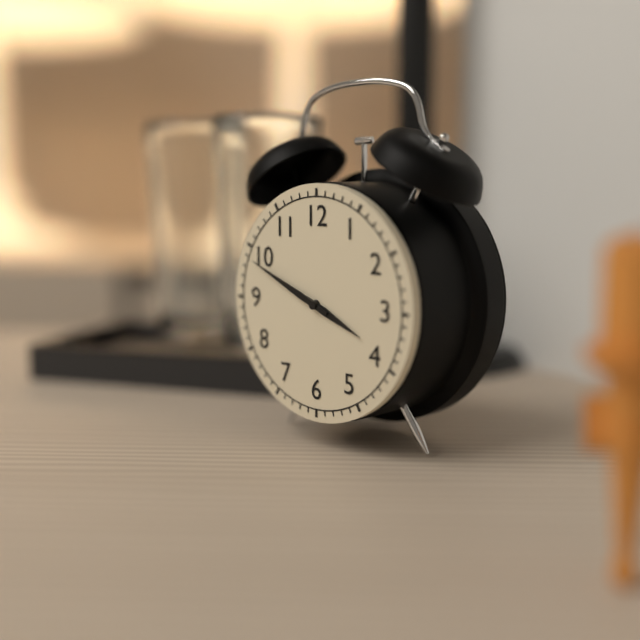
3 h 49 min
